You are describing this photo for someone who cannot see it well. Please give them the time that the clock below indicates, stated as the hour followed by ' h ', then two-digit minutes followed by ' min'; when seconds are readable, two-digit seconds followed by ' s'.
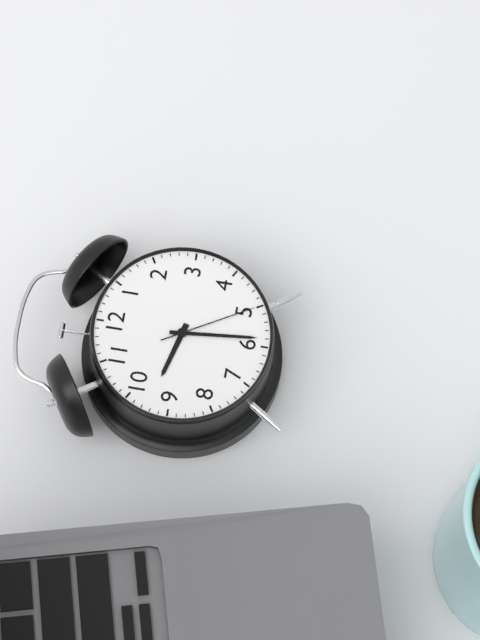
9 h 29 min 25 s
